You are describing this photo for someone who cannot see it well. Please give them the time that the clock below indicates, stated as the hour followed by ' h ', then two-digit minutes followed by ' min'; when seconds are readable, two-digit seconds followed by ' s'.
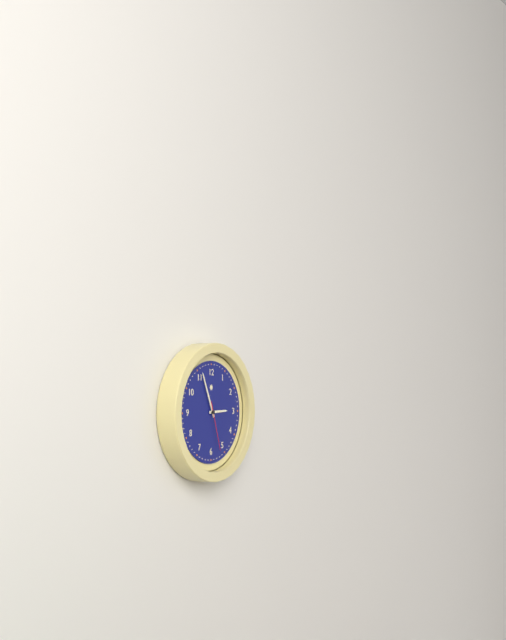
2 h 56 min 27 s
